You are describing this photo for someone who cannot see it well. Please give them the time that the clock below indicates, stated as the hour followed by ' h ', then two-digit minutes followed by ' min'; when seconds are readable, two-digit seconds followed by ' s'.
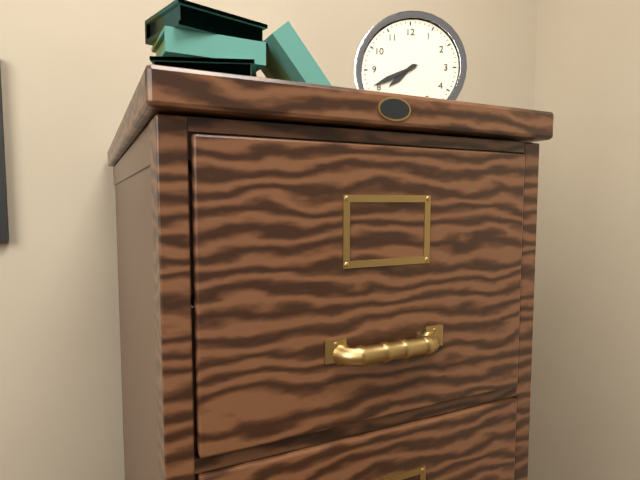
7 h 41 min
